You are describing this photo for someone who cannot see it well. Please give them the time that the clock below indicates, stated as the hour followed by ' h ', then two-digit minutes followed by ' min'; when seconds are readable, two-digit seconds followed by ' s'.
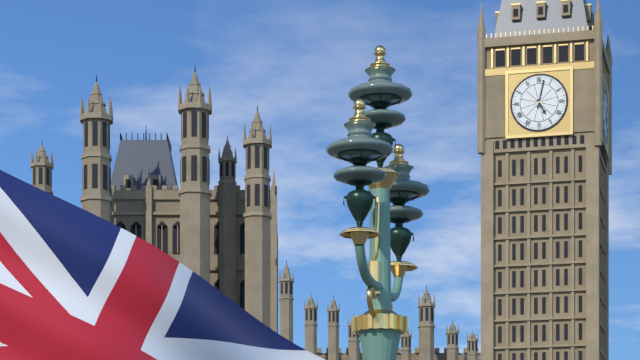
5 h 02 min
